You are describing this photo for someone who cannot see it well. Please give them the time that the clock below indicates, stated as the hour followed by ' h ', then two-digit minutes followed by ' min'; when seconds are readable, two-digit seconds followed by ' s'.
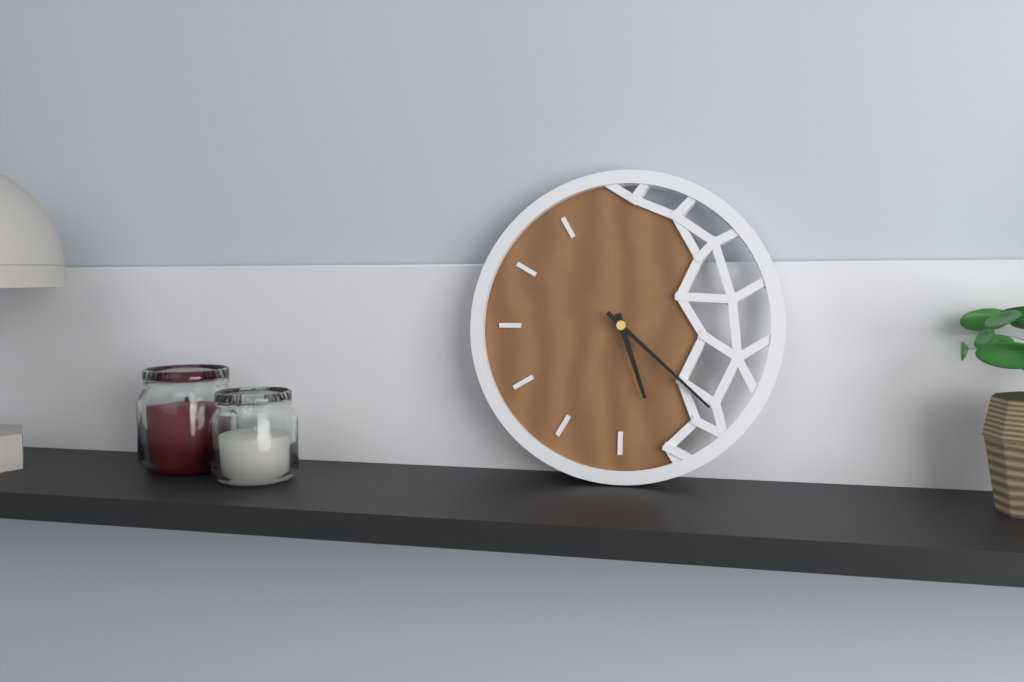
5 h 22 min
